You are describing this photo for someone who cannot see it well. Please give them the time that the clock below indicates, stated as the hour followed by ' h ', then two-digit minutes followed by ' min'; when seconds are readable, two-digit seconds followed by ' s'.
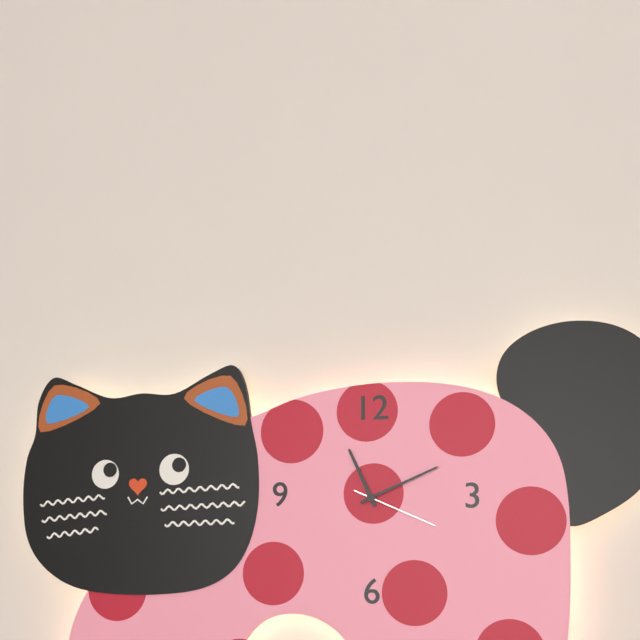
11 h 11 min 19 s
